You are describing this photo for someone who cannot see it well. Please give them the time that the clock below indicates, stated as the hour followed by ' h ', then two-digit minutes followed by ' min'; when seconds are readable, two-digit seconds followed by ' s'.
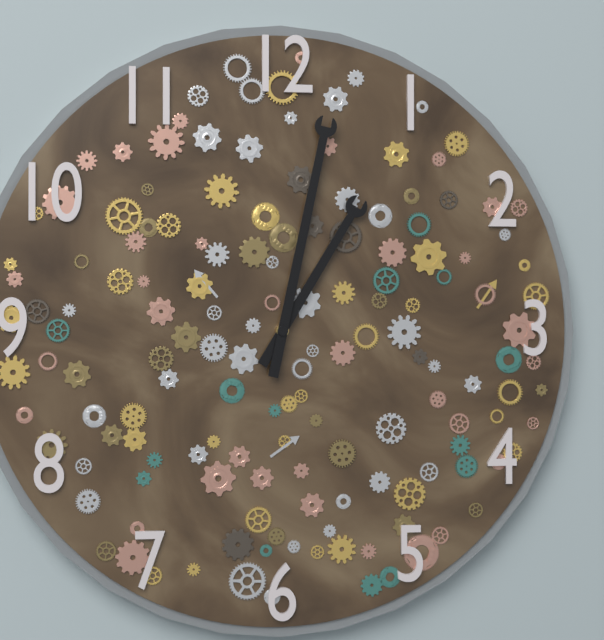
1 h 02 min
